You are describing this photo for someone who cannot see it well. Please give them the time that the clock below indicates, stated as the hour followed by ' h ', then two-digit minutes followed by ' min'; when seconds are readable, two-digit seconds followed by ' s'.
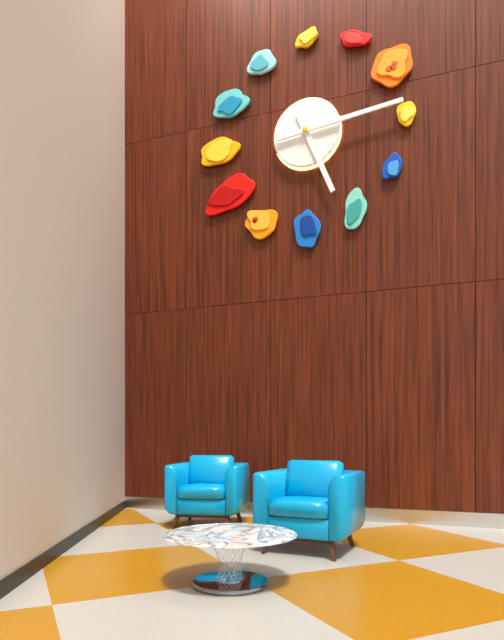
5 h 14 min
